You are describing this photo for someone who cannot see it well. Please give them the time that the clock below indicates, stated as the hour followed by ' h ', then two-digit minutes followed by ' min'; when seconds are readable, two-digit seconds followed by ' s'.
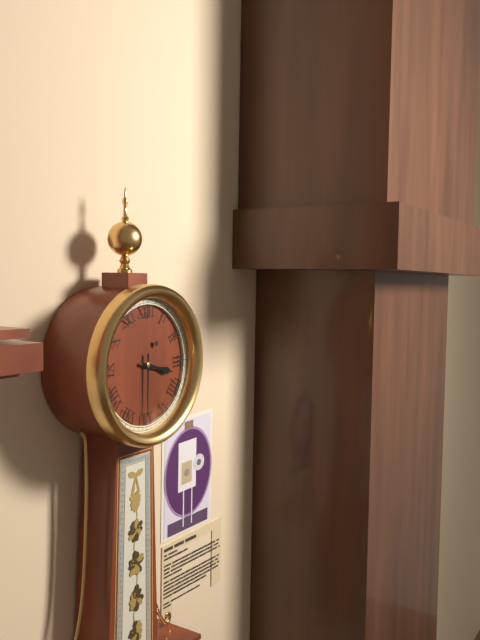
3 h 30 min
